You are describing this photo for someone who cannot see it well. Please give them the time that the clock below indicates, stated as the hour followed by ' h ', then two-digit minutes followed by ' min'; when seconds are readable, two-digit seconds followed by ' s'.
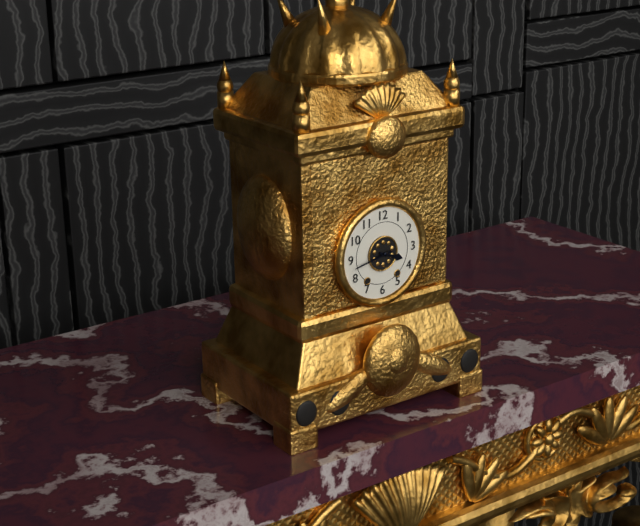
3 h 43 min
